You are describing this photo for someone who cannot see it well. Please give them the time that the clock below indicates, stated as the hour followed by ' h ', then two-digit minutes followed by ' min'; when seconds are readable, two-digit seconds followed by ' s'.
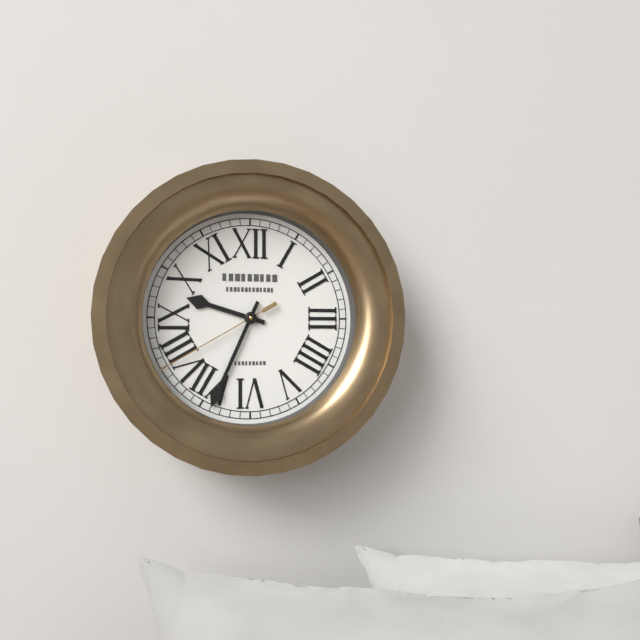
9 h 34 min 40 s
